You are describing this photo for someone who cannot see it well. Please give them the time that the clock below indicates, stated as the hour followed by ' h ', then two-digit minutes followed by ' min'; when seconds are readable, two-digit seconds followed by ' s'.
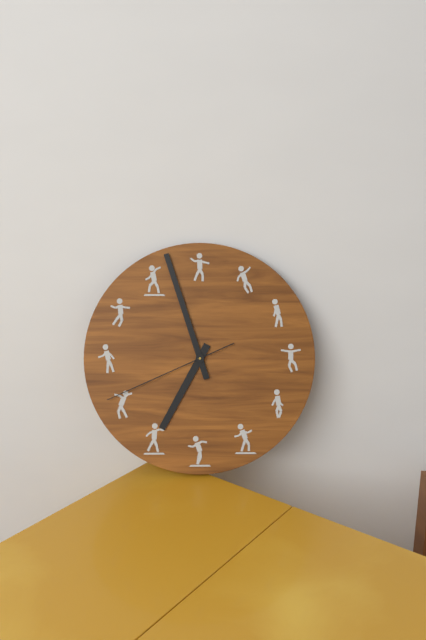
6 h 57 min 41 s
